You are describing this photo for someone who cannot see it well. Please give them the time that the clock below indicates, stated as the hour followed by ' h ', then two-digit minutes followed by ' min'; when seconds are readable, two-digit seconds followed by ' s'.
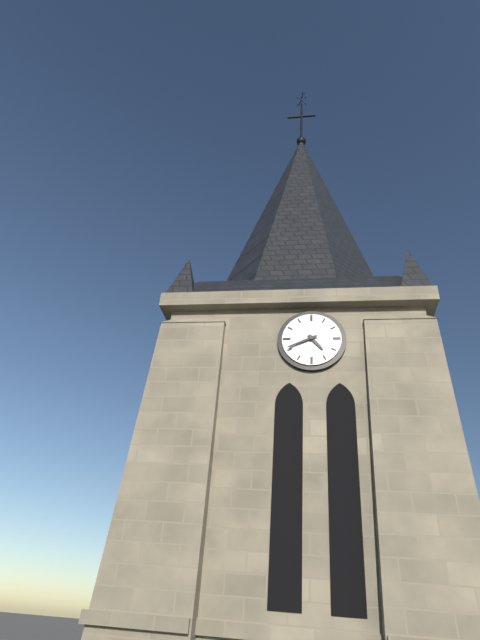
4 h 41 min
